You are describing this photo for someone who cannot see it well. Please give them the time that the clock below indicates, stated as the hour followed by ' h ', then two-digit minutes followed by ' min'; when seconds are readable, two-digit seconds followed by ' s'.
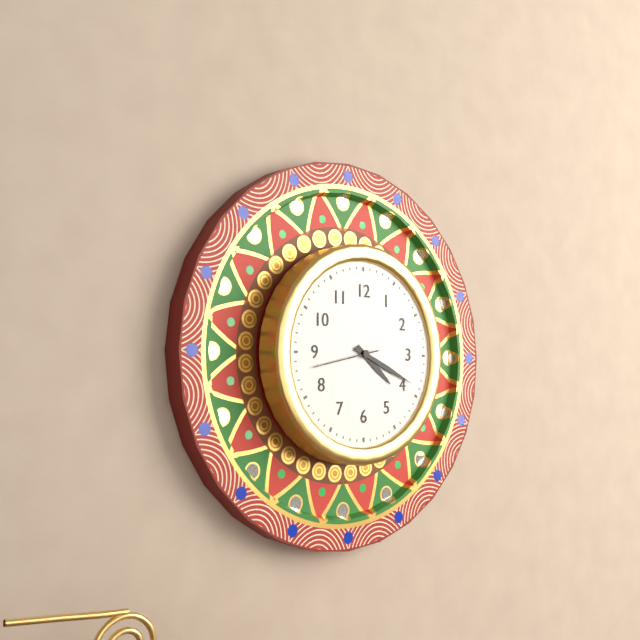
4 h 19 min 43 s
